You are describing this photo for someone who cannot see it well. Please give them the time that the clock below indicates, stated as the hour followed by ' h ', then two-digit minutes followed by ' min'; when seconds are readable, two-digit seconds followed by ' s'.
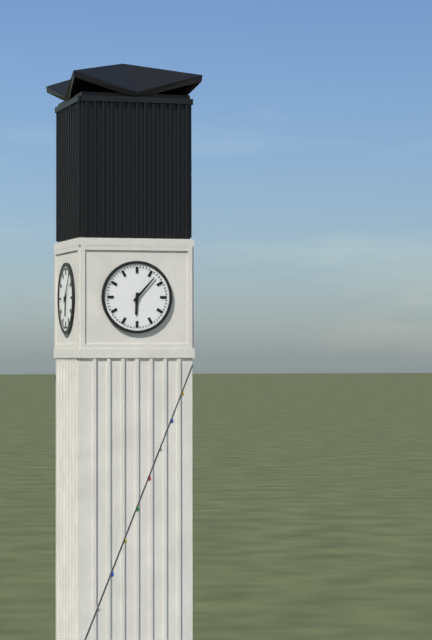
6 h 07 min
